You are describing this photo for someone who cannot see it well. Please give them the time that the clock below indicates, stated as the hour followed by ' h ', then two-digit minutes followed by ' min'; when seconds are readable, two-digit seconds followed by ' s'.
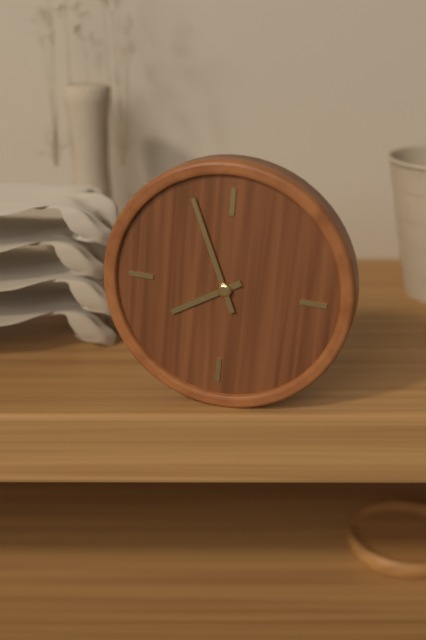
7 h 56 min
